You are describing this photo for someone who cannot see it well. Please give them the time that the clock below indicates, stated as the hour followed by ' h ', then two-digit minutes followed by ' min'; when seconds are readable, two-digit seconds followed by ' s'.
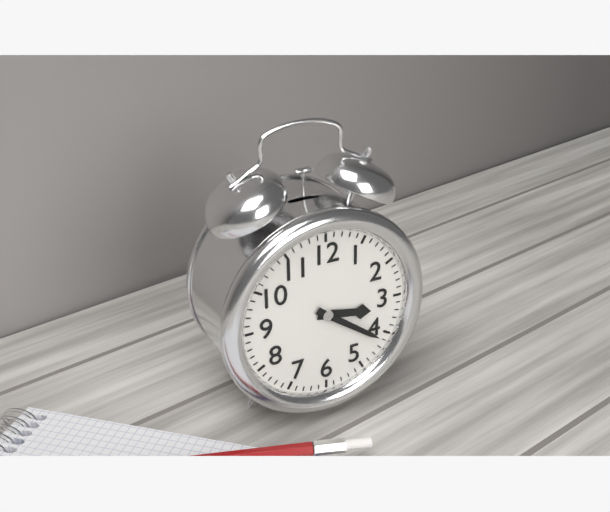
3 h 21 min
